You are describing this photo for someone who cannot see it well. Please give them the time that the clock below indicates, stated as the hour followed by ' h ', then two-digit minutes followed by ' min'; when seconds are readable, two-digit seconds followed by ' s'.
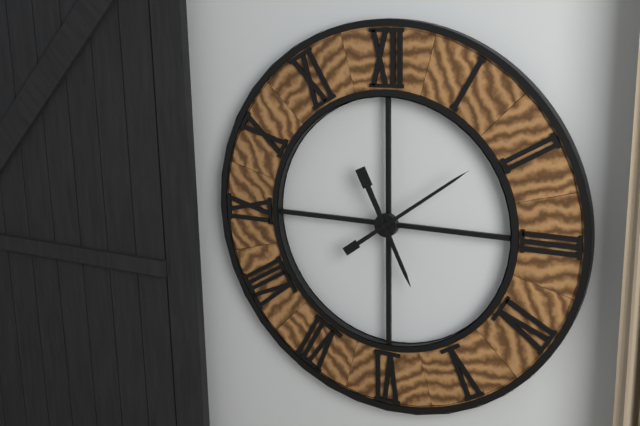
5 h 09 min
